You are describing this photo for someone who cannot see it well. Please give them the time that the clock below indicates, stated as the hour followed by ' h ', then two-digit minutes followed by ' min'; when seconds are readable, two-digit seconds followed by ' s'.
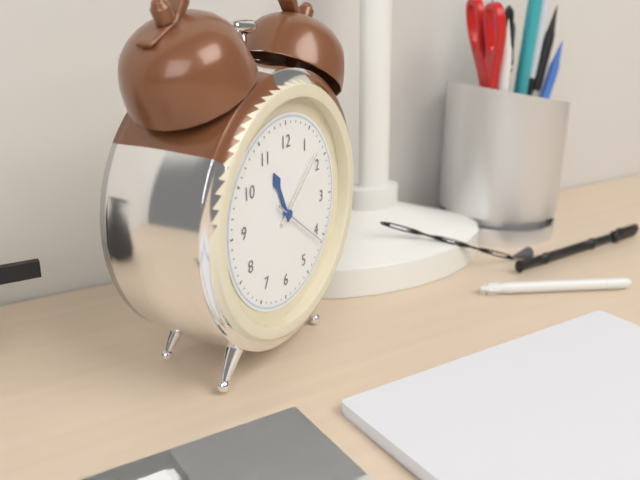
11 h 08 min 21 s
